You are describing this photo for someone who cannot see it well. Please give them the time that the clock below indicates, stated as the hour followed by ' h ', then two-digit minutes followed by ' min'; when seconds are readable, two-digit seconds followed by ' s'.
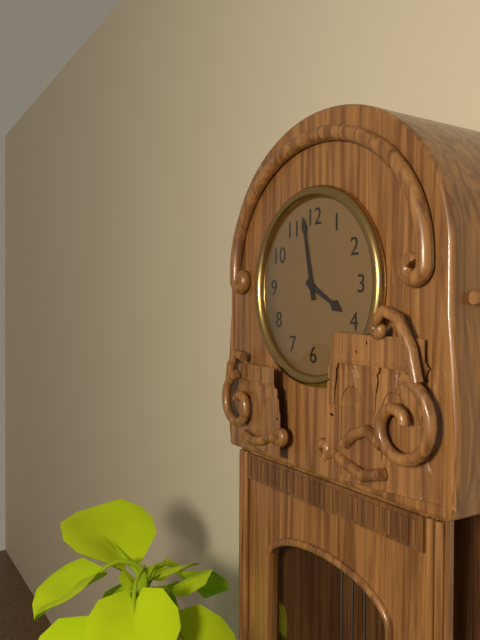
3 h 58 min
